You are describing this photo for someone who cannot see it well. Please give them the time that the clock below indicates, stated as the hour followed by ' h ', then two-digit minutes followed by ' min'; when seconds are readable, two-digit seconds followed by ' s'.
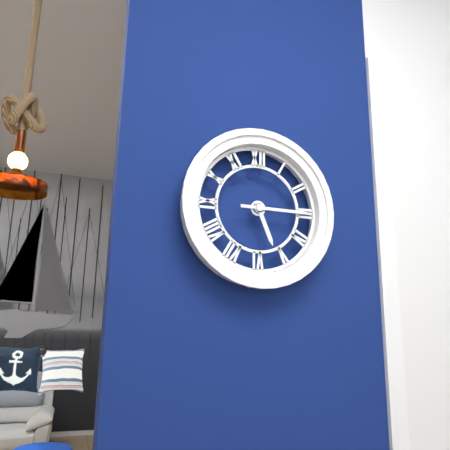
5 h 15 min
